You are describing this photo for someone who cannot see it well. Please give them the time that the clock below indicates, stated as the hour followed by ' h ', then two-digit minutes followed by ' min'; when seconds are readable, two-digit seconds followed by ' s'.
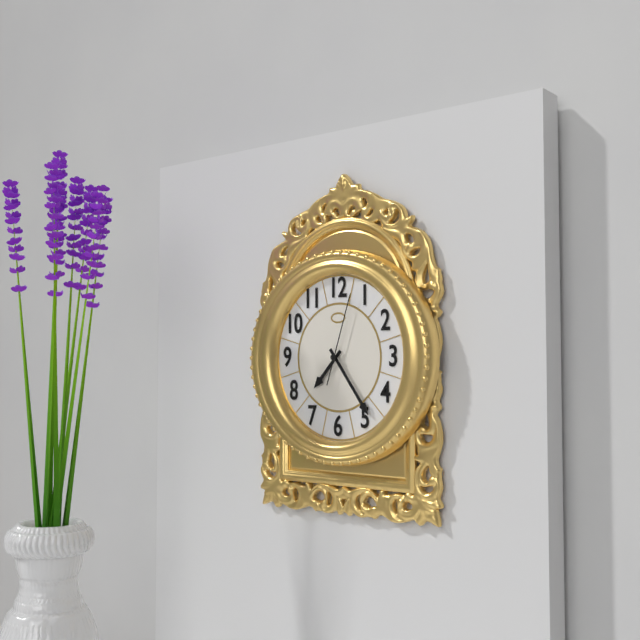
7 h 24 min 03 s
